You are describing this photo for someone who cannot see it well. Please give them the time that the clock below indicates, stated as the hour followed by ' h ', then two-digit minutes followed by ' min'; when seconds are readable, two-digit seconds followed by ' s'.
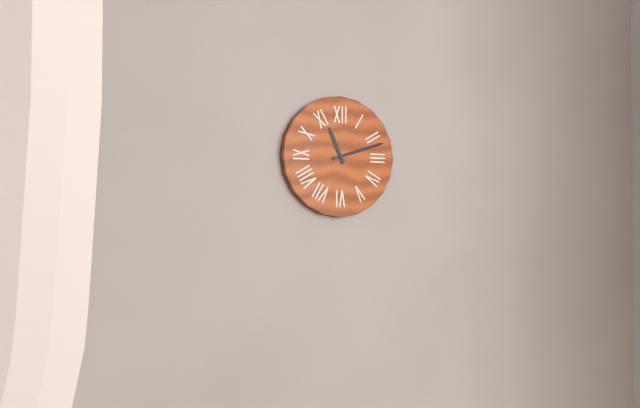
11 h 12 min
